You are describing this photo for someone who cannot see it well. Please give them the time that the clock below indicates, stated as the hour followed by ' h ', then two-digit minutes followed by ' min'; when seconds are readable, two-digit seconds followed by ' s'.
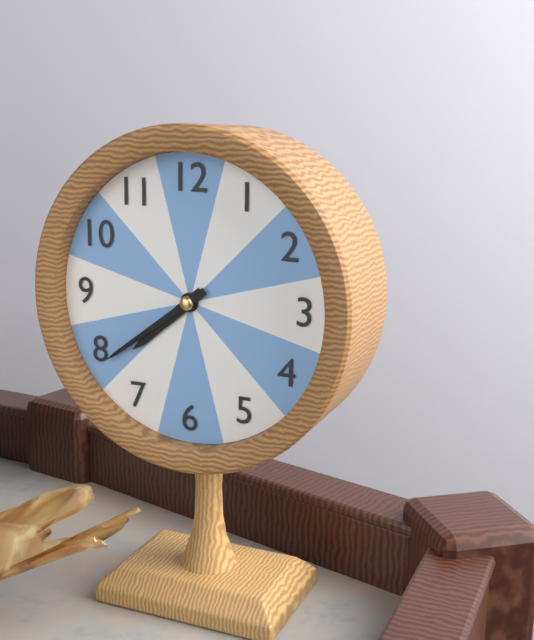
7 h 39 min
